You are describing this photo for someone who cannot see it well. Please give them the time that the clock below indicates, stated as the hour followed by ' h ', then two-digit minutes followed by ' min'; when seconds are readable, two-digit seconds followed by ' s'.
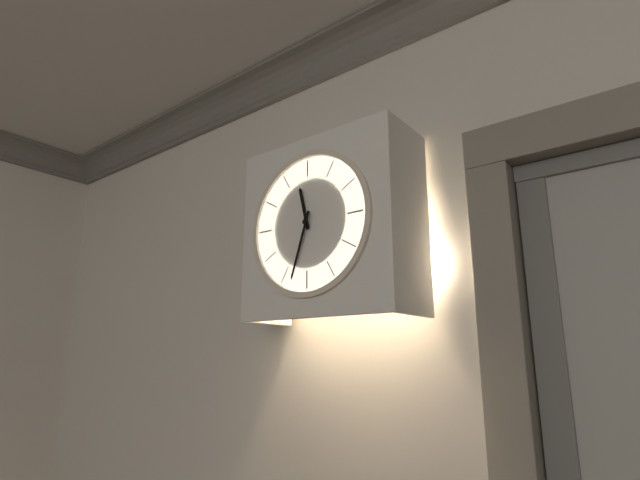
11 h 33 min
